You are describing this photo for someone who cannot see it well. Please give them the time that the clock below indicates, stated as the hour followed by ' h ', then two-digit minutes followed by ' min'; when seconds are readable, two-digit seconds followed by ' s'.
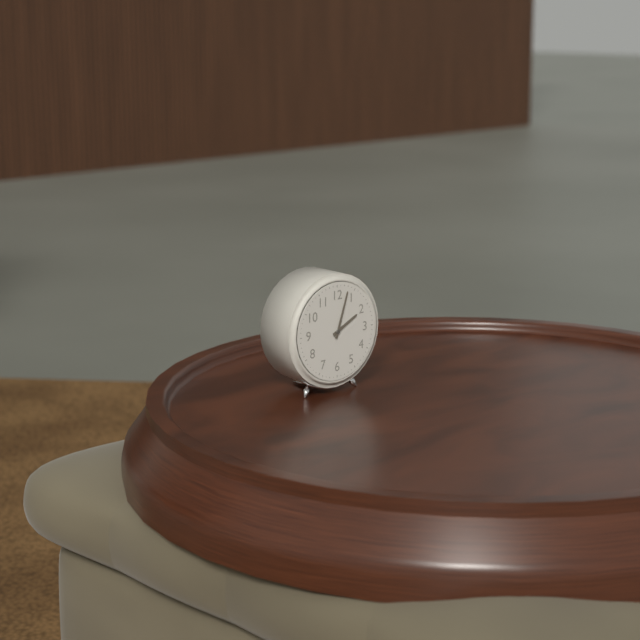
2 h 03 min
